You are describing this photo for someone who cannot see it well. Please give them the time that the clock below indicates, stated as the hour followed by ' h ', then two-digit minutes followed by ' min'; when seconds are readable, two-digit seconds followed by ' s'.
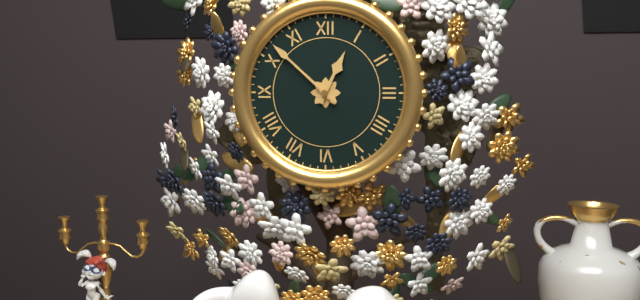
12 h 52 min
